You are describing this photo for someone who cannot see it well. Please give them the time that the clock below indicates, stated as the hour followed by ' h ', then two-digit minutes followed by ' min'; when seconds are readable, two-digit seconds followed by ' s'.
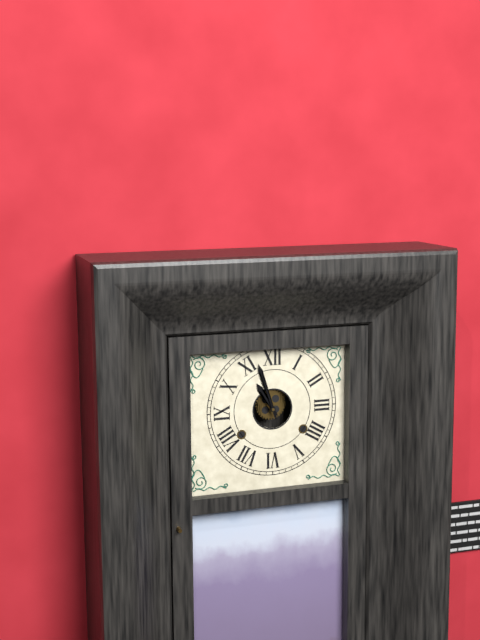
10 h 57 min
